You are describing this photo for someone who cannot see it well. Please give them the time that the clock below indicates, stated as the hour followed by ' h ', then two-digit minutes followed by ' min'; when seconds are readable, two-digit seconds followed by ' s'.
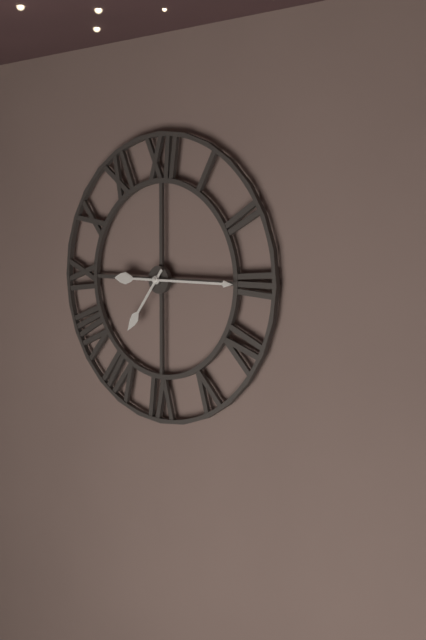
7 h 15 min
